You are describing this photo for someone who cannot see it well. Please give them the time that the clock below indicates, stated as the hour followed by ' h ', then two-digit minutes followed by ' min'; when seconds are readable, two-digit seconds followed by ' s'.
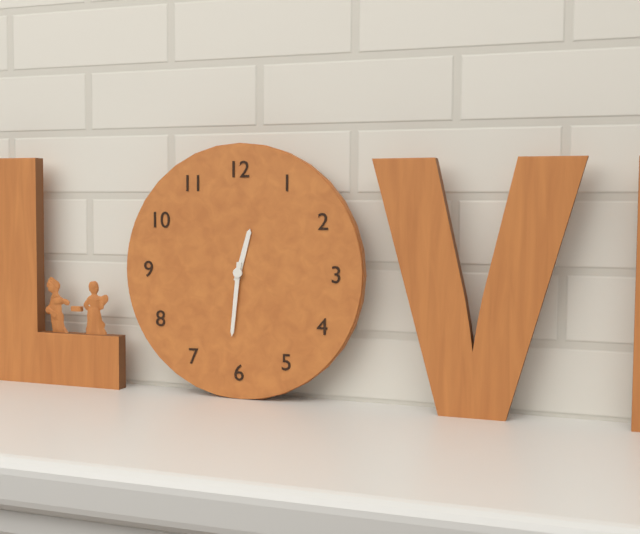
12 h 31 min
